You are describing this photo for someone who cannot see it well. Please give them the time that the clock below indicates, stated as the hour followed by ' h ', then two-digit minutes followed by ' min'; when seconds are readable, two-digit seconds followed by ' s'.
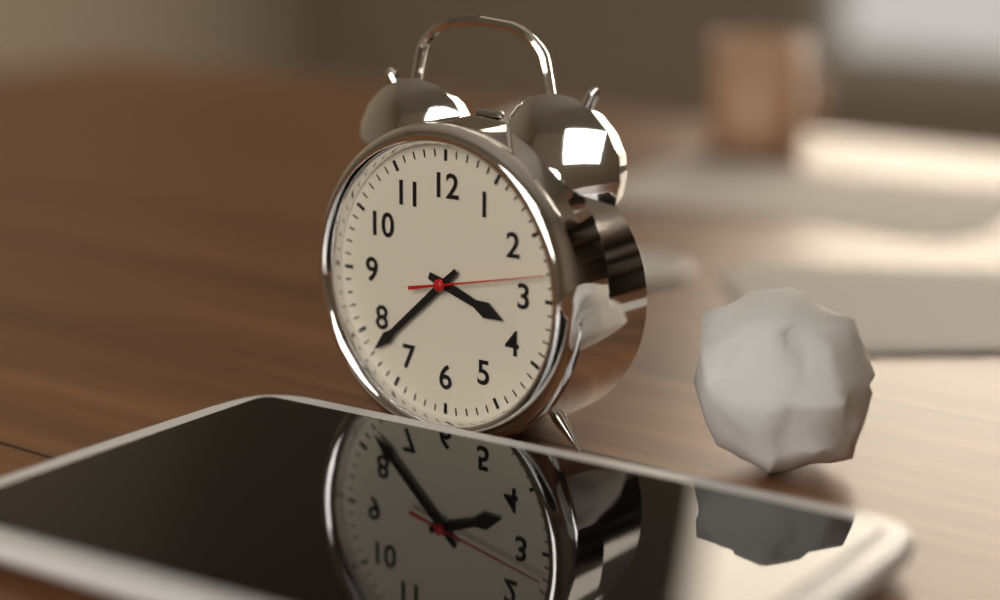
3 h 38 min 13 s
